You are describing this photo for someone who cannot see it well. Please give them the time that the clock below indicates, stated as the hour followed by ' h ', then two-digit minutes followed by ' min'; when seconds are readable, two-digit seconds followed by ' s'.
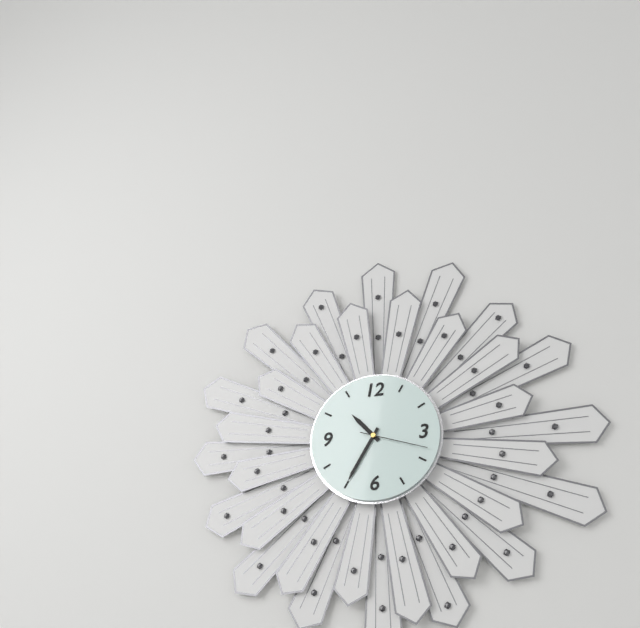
10 h 35 min 18 s
